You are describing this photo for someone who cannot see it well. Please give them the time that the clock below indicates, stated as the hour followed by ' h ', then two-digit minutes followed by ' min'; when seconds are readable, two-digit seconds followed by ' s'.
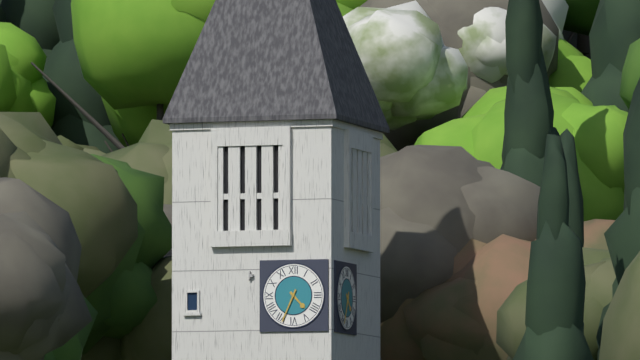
4 h 34 min
